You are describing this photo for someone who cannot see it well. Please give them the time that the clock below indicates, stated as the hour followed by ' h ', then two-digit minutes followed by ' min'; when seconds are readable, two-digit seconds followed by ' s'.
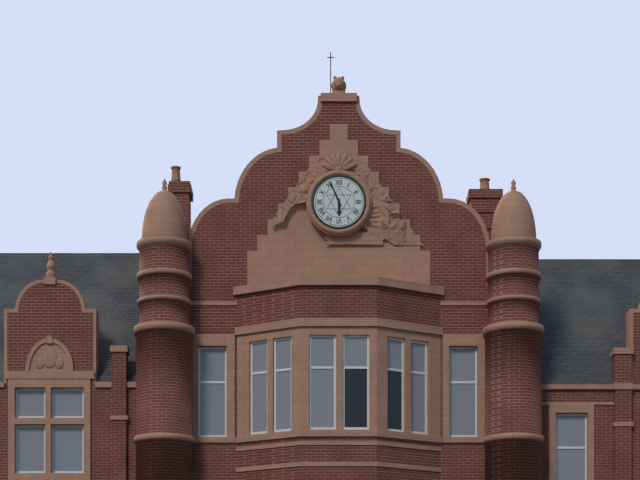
5 h 56 min
